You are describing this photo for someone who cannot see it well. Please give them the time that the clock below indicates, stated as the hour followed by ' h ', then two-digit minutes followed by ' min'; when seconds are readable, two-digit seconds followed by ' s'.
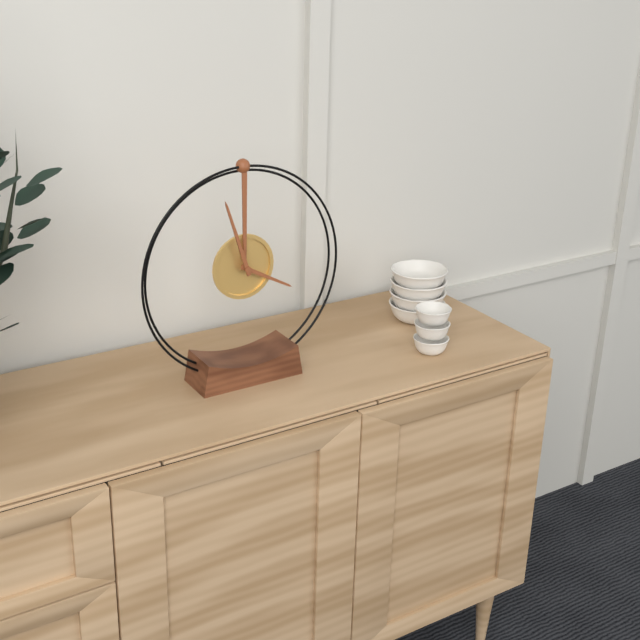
3 h 57 min
